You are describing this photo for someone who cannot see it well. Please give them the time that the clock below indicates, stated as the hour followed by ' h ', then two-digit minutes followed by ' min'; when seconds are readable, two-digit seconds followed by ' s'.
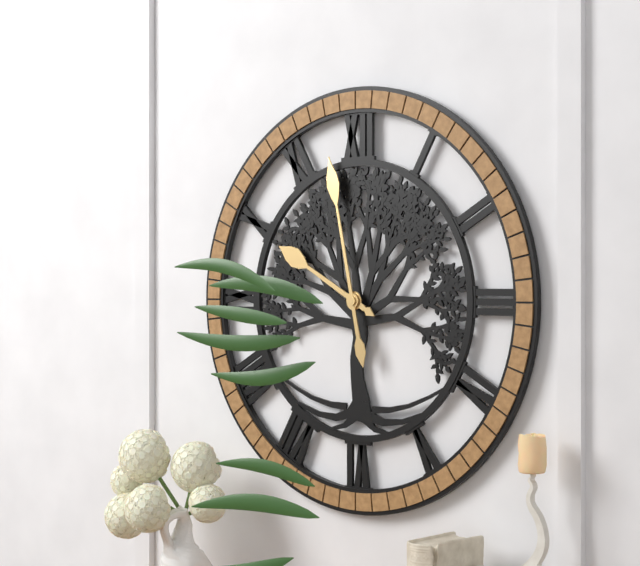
9 h 58 min
